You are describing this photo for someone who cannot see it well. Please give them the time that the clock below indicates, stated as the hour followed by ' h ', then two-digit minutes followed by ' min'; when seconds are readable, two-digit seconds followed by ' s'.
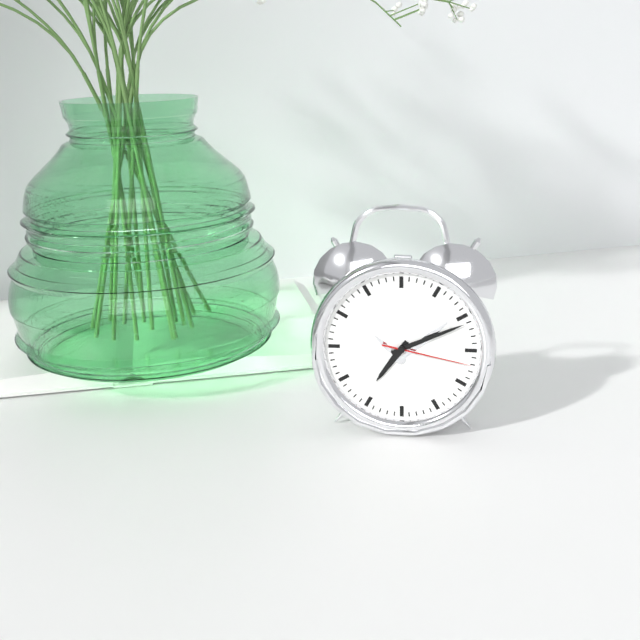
7 h 11 min 17 s
